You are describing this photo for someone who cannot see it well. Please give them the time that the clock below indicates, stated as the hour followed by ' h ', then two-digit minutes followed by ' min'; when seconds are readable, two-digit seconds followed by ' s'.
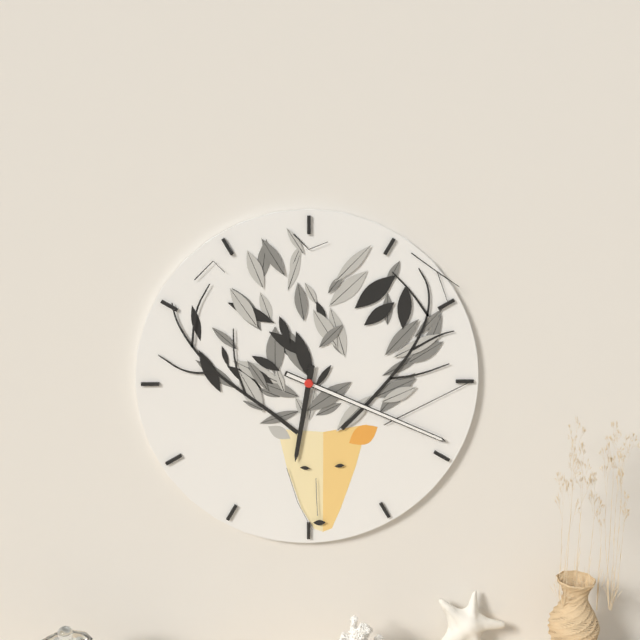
6 h 19 min
